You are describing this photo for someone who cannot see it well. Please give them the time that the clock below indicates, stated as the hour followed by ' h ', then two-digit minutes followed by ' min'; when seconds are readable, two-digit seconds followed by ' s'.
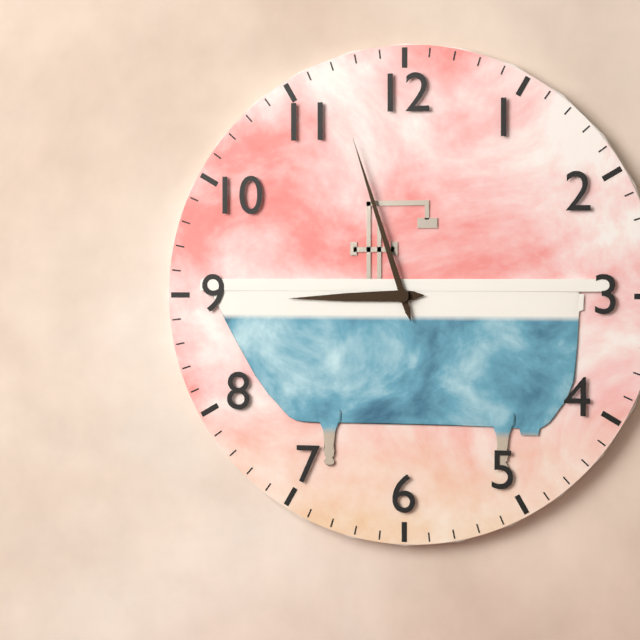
8 h 57 min
